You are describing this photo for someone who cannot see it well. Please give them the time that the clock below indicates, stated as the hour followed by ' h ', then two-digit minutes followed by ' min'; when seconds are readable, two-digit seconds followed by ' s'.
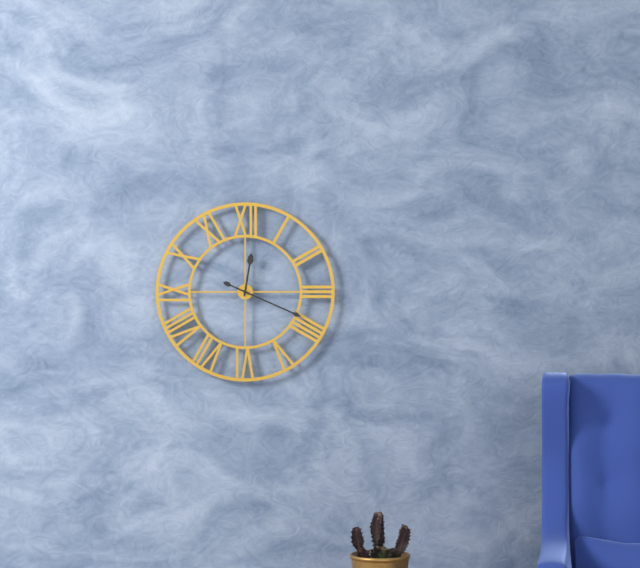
12 h 19 min
